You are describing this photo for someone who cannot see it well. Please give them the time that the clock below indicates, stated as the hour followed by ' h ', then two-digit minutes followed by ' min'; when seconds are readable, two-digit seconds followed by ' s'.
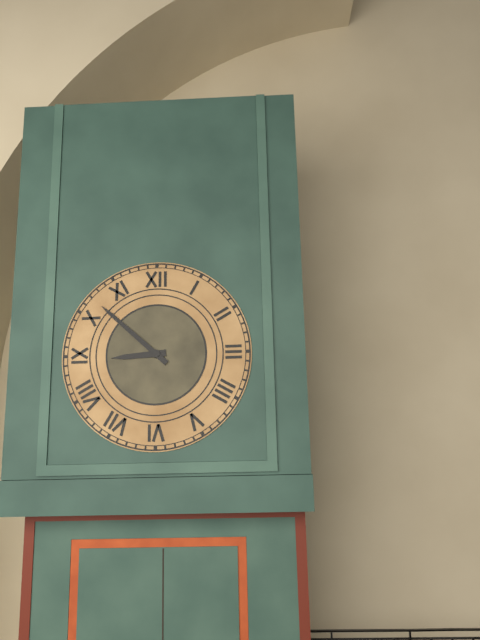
8 h 52 min
